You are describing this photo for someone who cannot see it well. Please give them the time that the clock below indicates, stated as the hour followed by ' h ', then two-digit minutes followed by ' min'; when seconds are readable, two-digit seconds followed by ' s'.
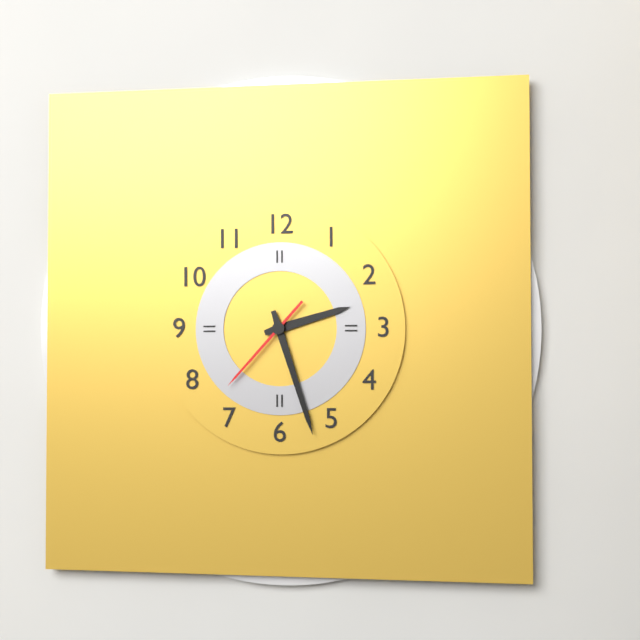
2 h 27 min 37 s
